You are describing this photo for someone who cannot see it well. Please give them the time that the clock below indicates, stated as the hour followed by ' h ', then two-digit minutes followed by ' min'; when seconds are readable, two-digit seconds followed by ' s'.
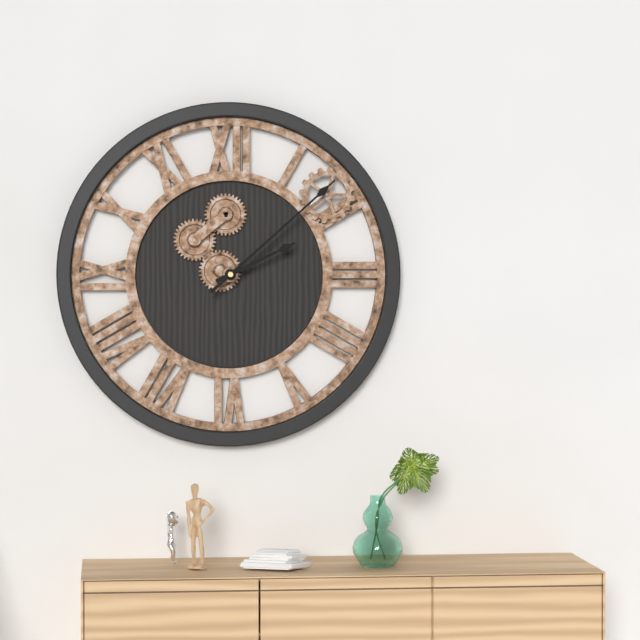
2 h 08 min
